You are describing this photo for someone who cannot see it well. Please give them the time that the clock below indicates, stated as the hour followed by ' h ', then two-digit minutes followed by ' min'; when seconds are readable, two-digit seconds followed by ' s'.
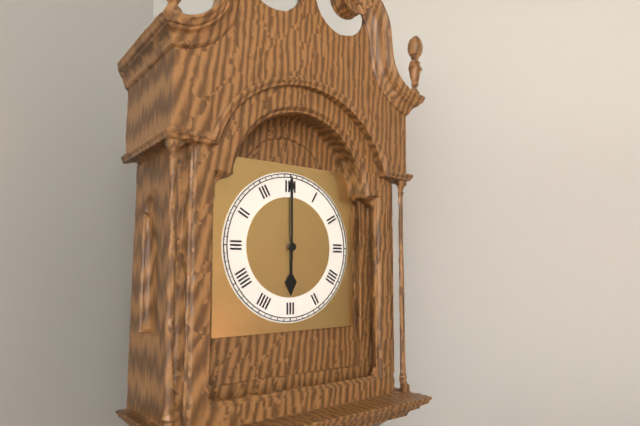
6 h 00 min
